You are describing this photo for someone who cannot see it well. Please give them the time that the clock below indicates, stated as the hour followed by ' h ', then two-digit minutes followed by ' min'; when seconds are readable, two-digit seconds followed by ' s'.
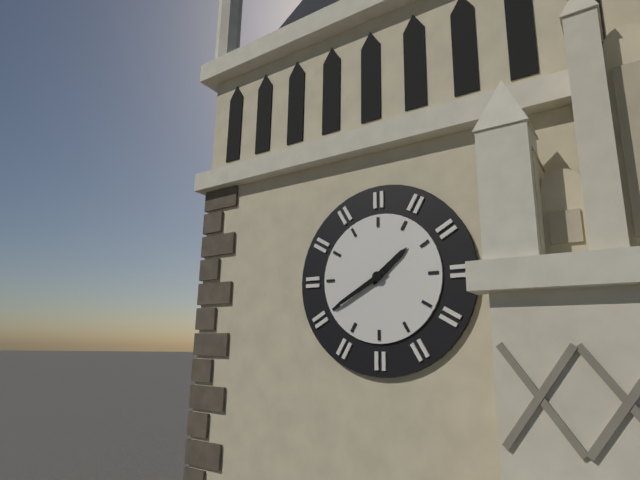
1 h 40 min
